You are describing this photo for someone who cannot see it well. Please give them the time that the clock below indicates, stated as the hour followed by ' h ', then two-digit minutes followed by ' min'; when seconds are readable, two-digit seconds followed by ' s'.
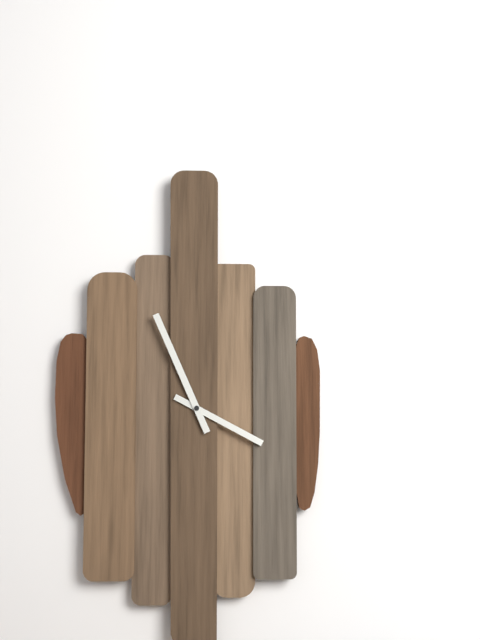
3 h 56 min
